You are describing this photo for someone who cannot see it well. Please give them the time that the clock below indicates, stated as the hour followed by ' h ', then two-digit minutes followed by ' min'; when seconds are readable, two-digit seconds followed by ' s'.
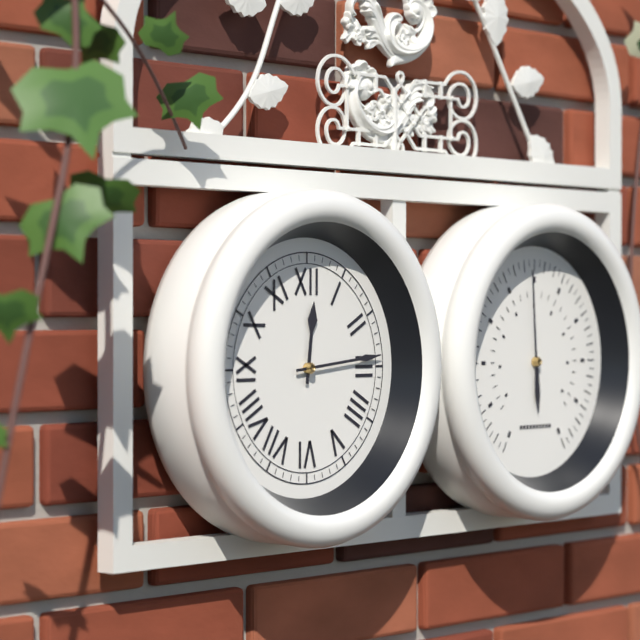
12 h 14 min
